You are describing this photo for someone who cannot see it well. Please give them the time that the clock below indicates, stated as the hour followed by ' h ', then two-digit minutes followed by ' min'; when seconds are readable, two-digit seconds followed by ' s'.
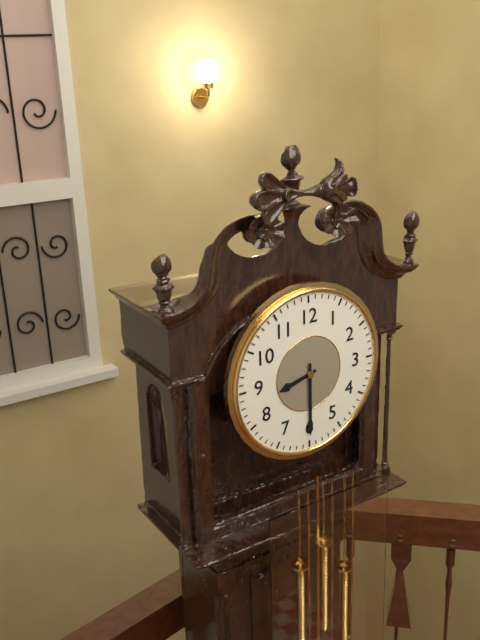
8 h 30 min
